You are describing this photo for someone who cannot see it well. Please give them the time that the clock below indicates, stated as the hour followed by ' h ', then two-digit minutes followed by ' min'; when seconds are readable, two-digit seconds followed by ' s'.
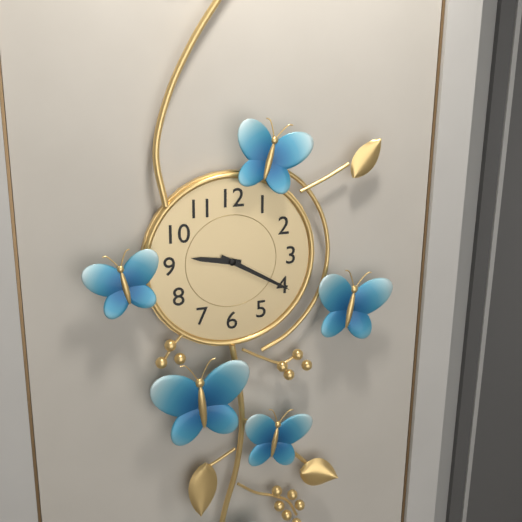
9 h 20 min
